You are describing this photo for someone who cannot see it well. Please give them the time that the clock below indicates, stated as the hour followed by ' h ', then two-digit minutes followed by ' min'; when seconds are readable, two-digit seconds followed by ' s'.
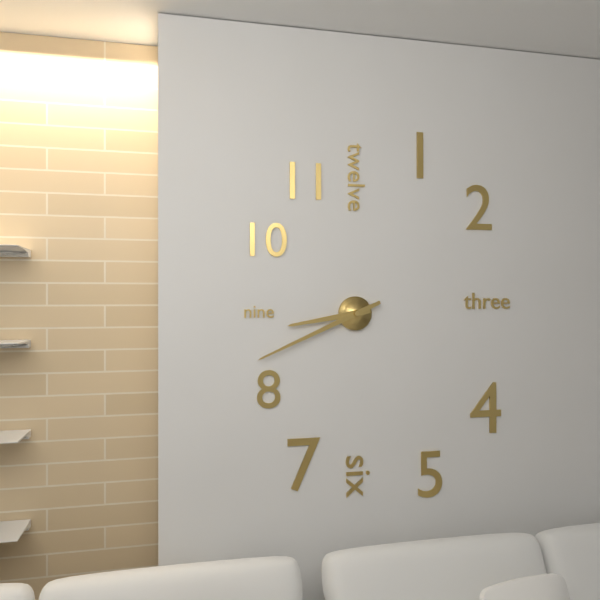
8 h 41 min
